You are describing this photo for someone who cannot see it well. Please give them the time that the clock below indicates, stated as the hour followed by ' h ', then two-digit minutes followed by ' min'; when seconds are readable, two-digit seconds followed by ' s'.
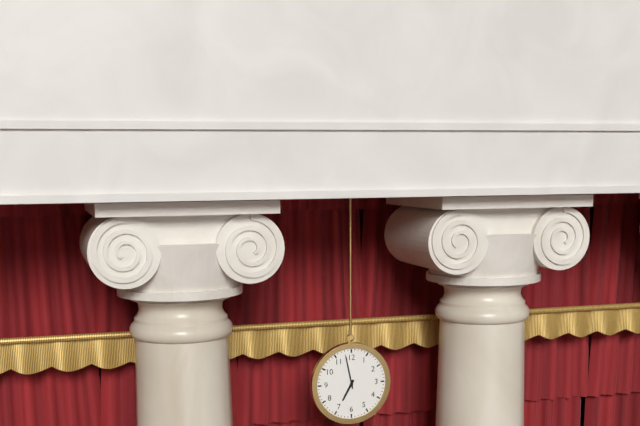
6 h 58 min
